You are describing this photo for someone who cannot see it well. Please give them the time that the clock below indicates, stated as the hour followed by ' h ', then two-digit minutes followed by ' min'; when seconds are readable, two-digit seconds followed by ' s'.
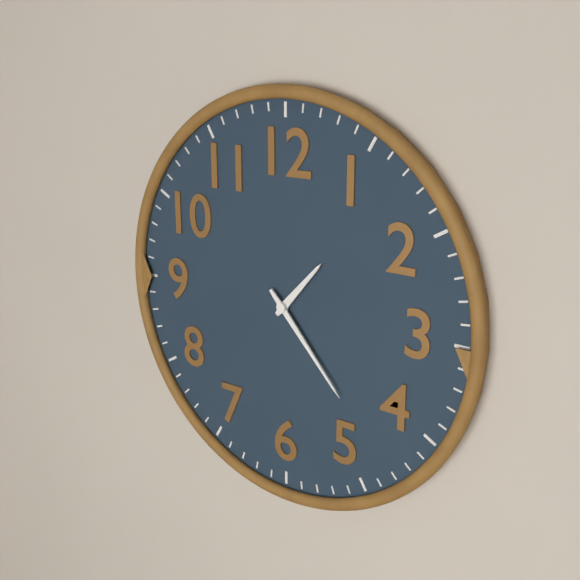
1 h 23 min
